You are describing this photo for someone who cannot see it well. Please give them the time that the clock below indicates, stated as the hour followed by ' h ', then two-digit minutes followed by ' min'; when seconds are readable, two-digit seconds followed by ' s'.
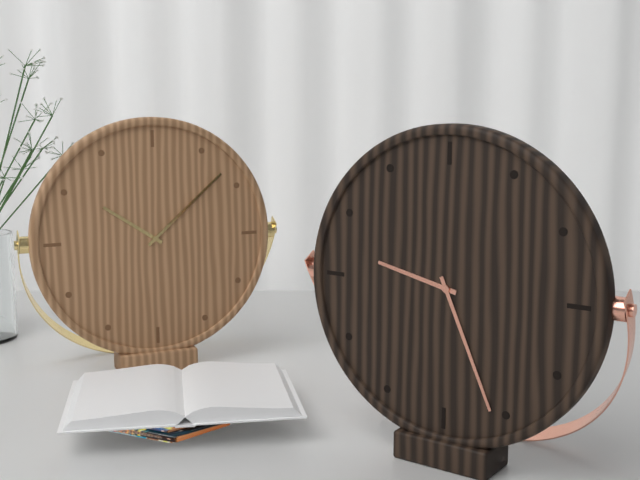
9 h 26 min
